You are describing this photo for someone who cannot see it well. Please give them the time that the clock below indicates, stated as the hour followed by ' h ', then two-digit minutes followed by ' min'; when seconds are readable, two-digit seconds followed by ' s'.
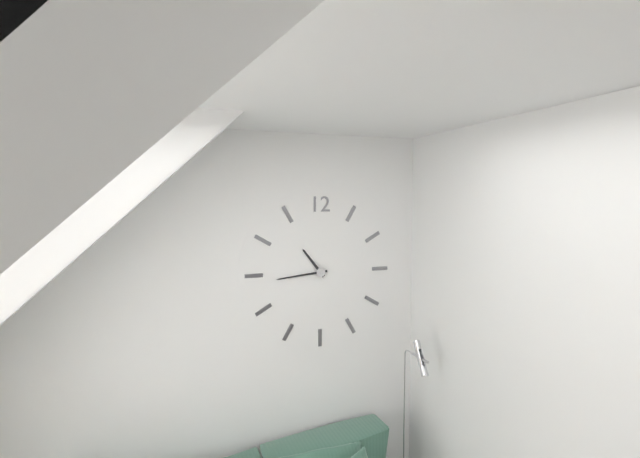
10 h 44 min
